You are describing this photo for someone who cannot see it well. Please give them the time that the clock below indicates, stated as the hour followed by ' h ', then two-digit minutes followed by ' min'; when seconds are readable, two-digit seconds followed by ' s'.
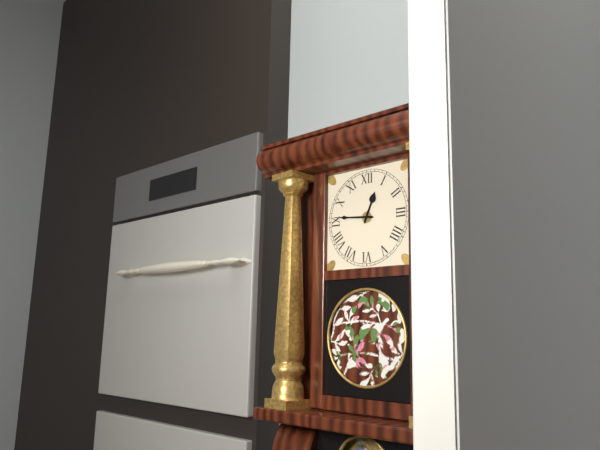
12 h 46 min
